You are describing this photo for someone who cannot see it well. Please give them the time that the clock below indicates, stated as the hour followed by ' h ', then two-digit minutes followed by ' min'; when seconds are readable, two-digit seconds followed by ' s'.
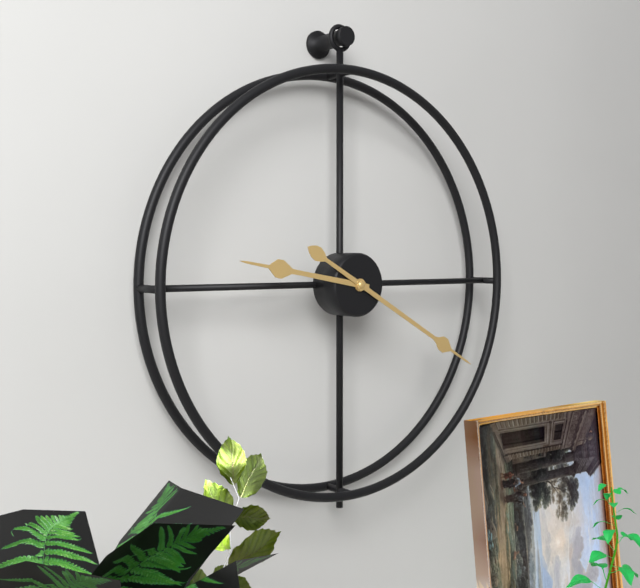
9 h 20 min
